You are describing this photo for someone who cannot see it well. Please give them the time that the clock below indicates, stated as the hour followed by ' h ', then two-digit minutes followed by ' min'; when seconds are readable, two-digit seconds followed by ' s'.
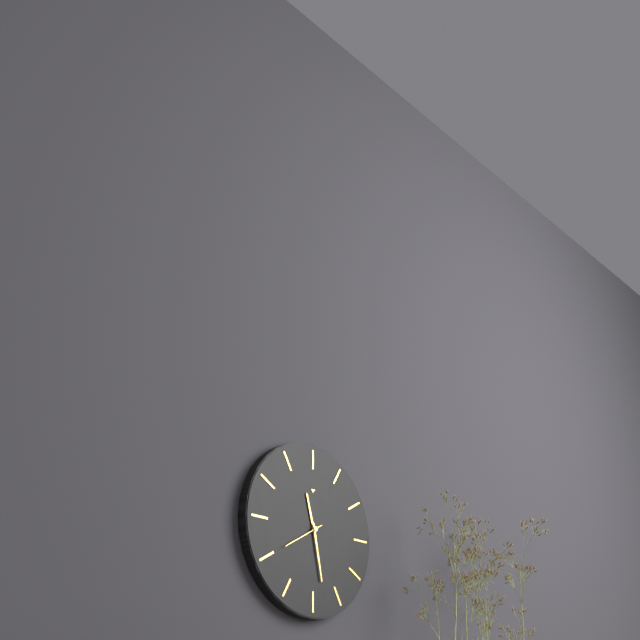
11 h 28 min
